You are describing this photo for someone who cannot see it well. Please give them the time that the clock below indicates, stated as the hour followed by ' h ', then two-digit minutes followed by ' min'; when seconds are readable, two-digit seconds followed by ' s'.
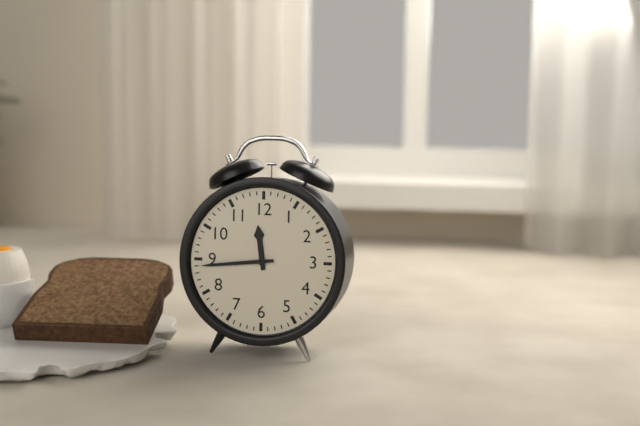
11 h 44 min
